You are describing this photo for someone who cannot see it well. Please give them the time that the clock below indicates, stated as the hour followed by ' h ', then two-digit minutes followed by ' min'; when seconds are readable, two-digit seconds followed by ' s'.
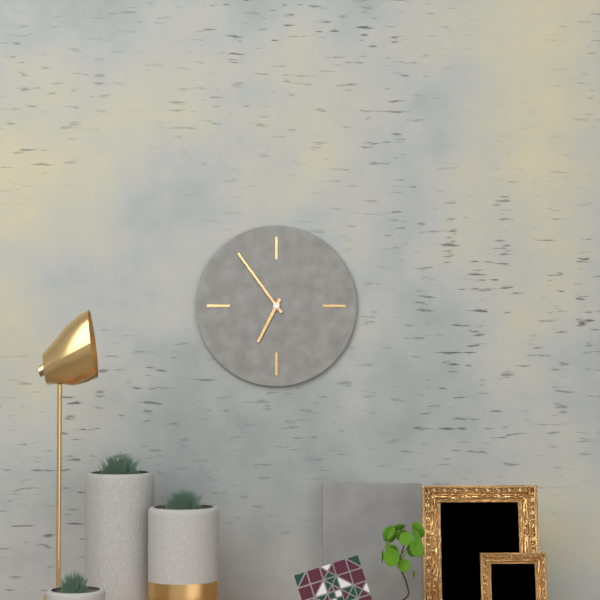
6 h 54 min
